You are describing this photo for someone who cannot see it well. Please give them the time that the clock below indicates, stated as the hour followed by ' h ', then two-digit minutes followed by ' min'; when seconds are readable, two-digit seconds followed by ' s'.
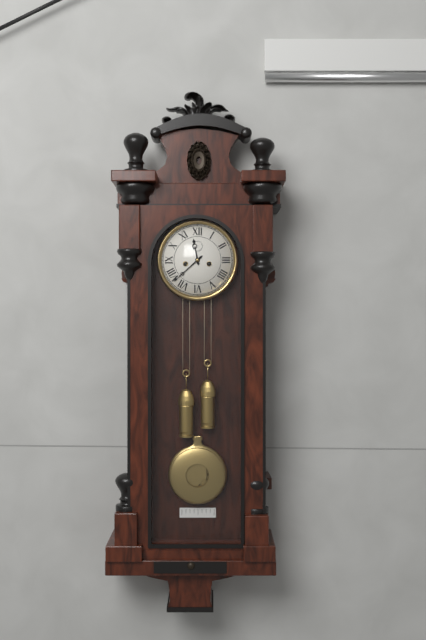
11 h 38 min
